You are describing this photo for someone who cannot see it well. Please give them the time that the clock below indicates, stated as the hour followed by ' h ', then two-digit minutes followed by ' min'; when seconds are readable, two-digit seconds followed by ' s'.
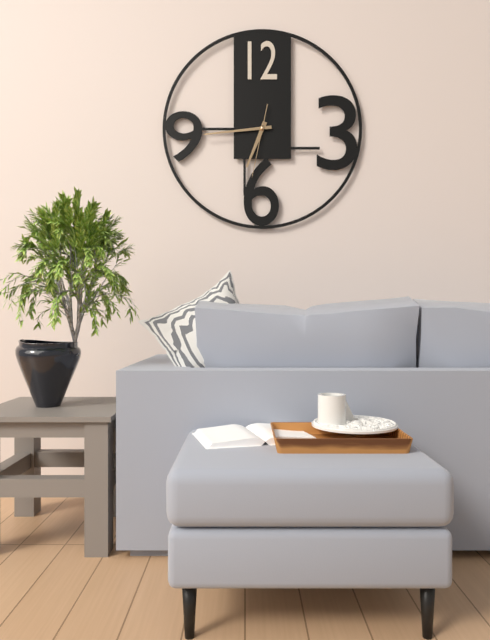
6 h 44 min 32 s
